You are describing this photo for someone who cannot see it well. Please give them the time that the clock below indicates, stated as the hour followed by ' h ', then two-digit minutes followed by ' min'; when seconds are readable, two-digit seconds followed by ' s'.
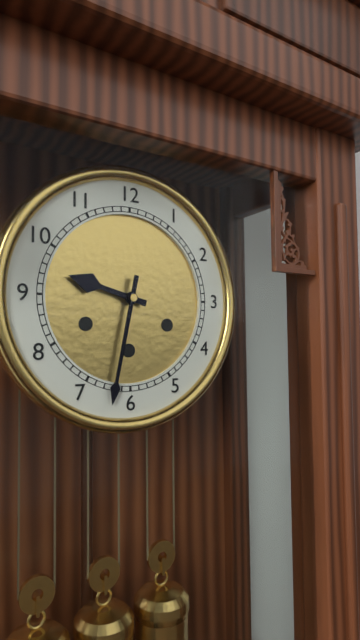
9 h 32 min
